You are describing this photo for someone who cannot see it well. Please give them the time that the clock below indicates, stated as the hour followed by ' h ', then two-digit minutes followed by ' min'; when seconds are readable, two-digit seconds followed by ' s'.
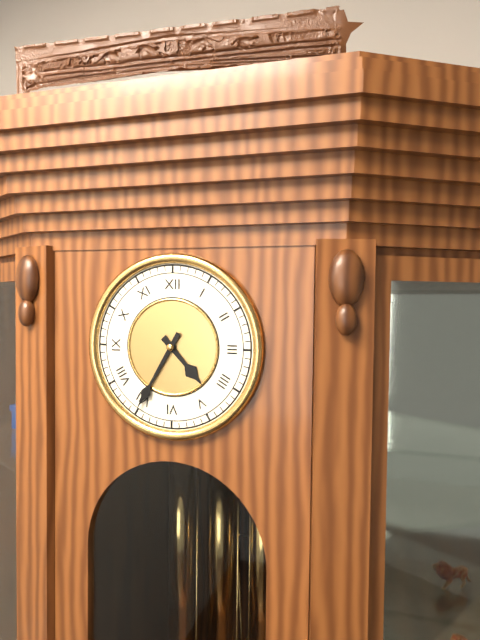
4 h 35 min
